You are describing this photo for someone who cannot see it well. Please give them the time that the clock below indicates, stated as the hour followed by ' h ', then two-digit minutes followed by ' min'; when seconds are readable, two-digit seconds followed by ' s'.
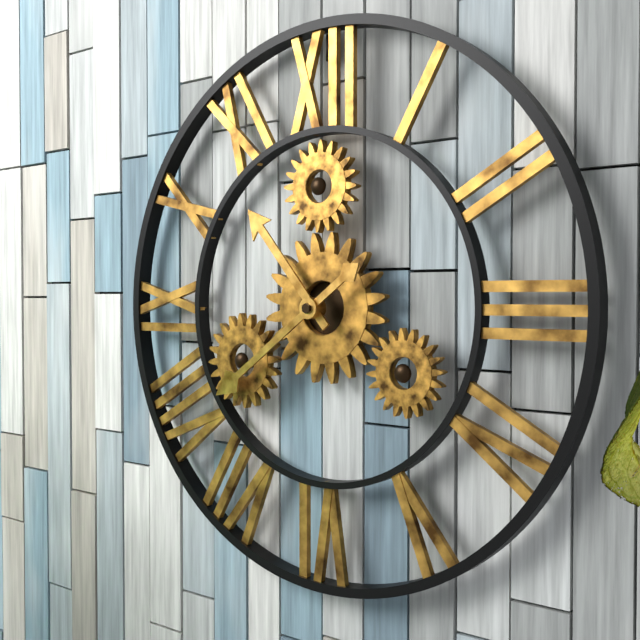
10 h 39 min
